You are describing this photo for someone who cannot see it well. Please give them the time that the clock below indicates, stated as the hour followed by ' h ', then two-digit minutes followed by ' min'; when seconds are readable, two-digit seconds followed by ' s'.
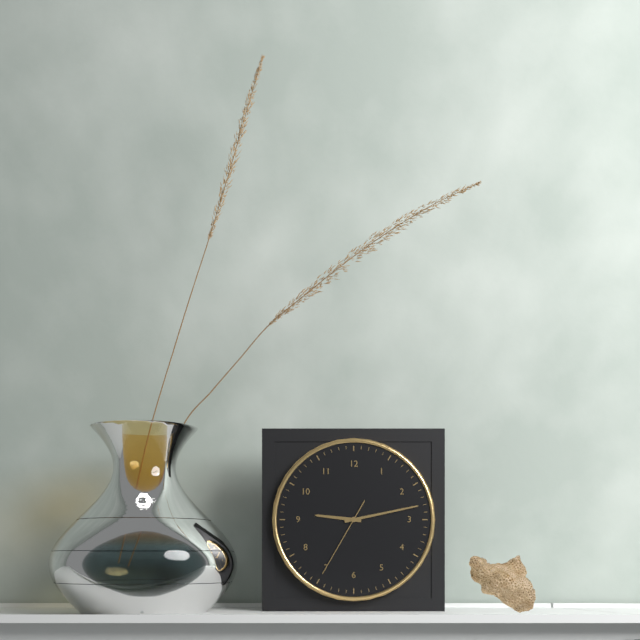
9 h 13 min 35 s
